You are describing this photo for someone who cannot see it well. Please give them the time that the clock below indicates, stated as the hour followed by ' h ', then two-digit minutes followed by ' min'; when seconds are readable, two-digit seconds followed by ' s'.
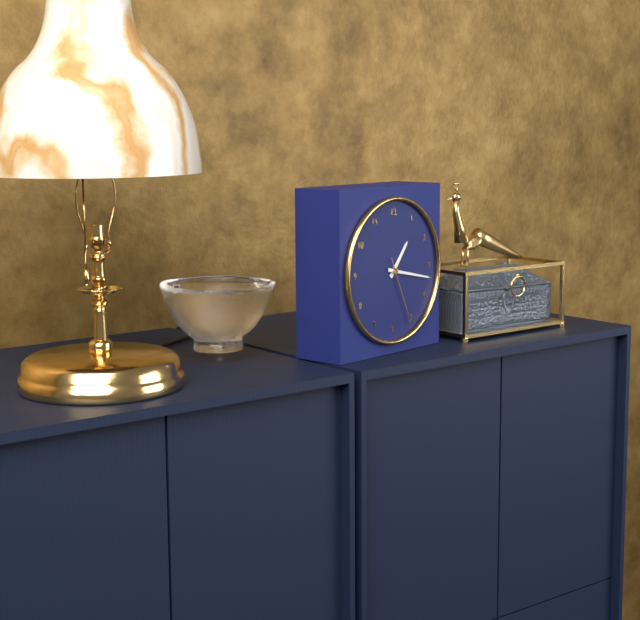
1 h 17 min 26 s
